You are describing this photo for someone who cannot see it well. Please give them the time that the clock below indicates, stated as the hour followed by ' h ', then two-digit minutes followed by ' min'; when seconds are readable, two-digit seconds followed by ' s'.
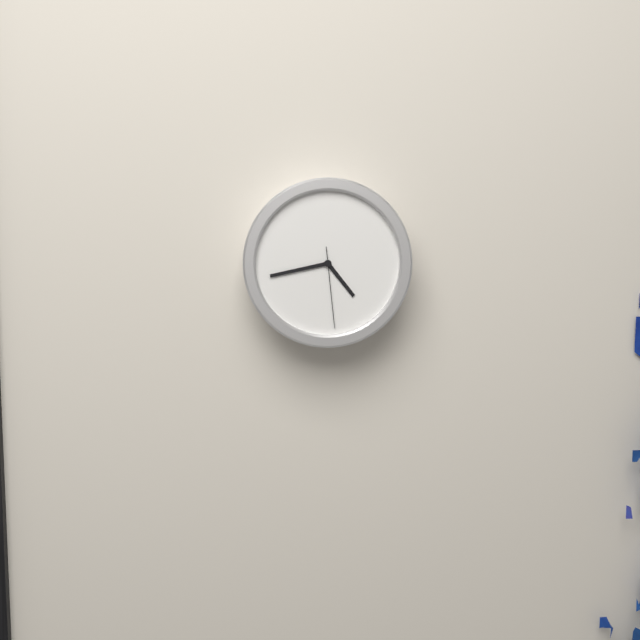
4 h 43 min 29 s
